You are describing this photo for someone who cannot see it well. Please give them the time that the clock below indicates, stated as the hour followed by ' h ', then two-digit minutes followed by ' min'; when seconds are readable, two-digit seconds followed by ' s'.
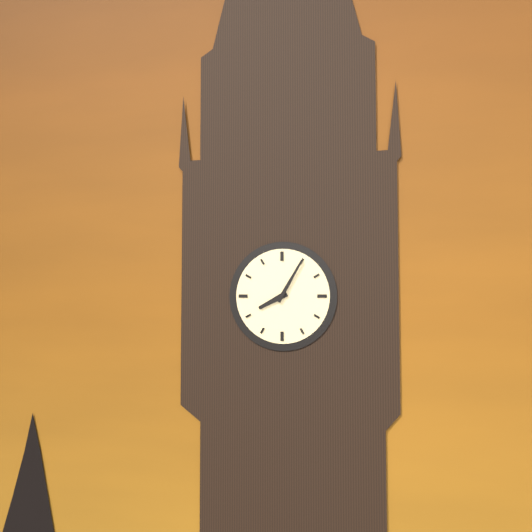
8 h 05 min
